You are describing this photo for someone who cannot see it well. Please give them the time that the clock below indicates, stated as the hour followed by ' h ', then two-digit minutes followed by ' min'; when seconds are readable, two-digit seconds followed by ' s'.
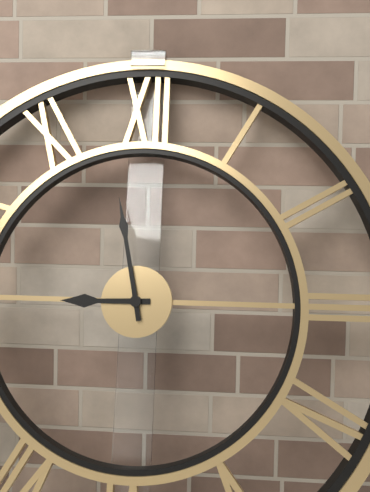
8 h 58 min
